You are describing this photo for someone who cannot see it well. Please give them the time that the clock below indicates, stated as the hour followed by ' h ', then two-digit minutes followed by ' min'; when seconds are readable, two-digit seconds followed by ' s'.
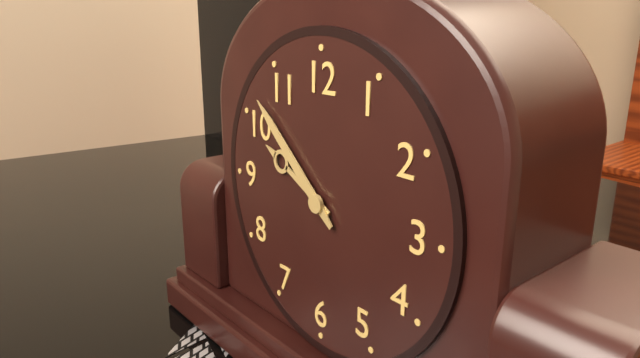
9 h 52 min
